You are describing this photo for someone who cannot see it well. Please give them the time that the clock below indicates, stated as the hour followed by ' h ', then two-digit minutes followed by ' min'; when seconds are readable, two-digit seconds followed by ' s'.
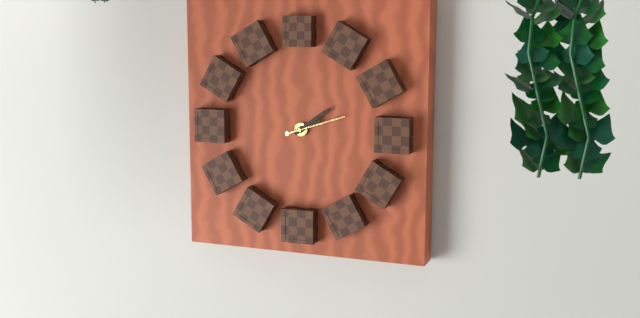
2 h 09 min 12 s
